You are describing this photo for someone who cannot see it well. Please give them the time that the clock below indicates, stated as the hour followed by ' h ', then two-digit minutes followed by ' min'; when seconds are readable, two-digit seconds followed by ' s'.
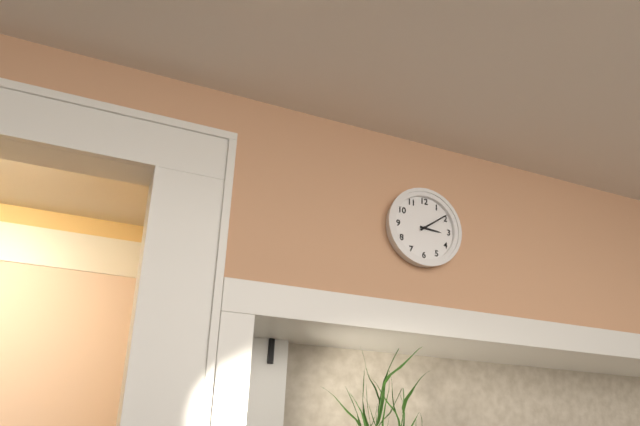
3 h 09 min
